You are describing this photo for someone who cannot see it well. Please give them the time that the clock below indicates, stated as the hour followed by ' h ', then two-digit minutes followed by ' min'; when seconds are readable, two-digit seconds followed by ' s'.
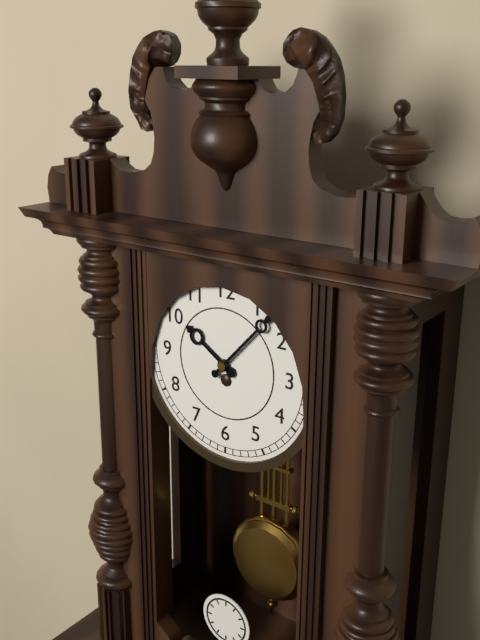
10 h 07 min
